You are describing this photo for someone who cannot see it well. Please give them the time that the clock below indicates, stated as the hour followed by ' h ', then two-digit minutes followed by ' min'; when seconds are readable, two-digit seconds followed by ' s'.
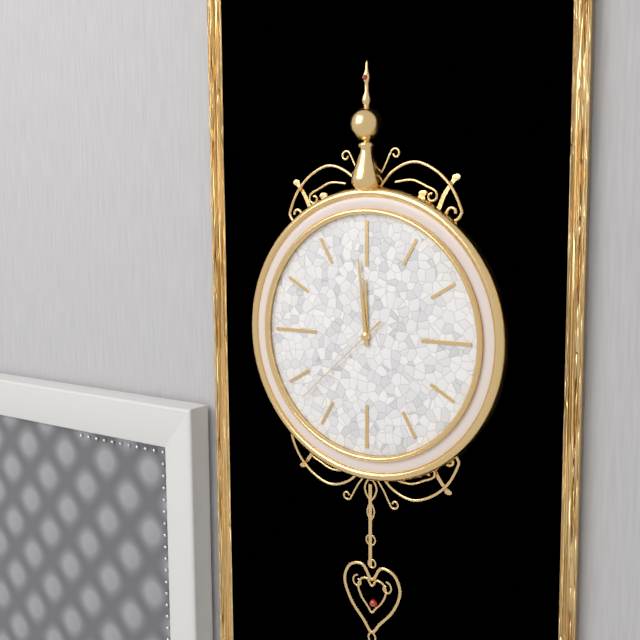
11 h 59 min 38 s
